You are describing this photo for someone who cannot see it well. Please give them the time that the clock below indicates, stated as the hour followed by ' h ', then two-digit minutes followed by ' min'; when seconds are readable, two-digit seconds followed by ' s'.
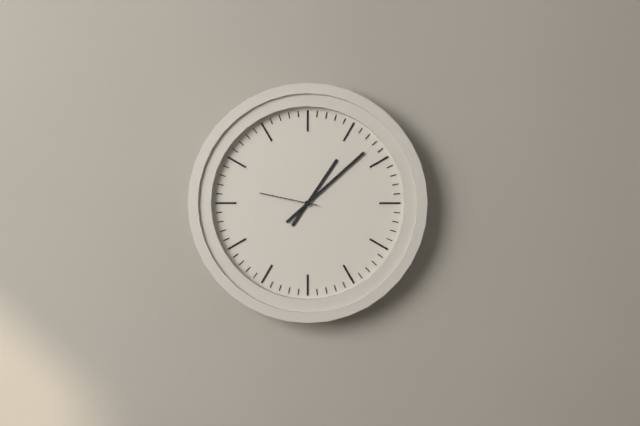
1 h 08 min 47 s
